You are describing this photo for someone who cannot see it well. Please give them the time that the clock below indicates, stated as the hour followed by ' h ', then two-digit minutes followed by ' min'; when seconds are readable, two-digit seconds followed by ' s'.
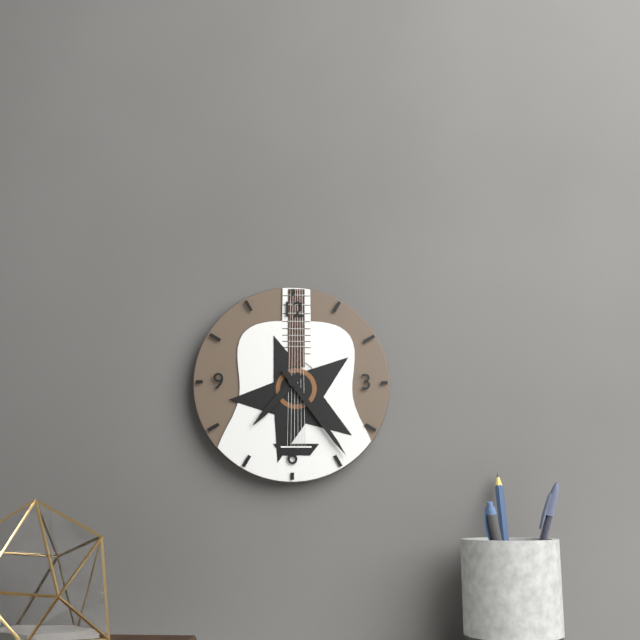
7 h 24 min
